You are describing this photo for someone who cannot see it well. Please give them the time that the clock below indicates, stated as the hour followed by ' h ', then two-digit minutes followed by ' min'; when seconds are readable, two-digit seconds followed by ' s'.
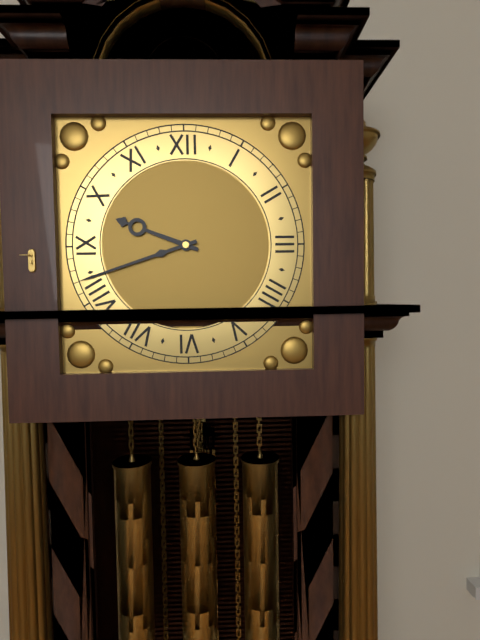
9 h 42 min
